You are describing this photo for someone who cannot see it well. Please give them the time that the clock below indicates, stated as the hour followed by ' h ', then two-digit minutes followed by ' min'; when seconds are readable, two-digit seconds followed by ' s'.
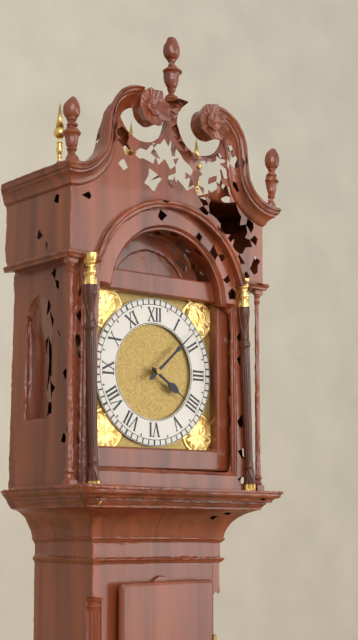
4 h 08 min
